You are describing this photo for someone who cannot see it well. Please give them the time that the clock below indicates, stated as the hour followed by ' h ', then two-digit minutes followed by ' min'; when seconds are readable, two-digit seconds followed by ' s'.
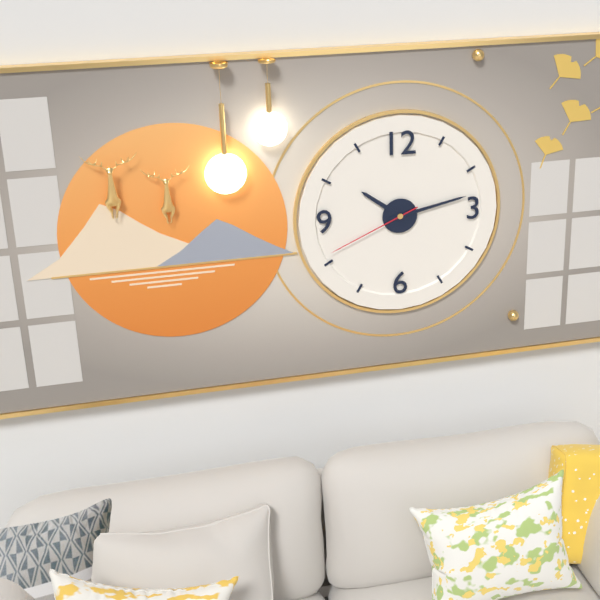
10 h 13 min 41 s
